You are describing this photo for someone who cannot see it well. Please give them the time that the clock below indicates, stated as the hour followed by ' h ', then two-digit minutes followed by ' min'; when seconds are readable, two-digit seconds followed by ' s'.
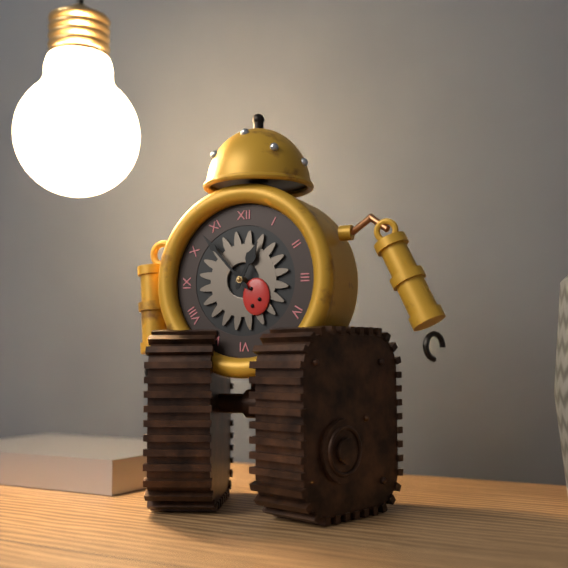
12 h 53 min
